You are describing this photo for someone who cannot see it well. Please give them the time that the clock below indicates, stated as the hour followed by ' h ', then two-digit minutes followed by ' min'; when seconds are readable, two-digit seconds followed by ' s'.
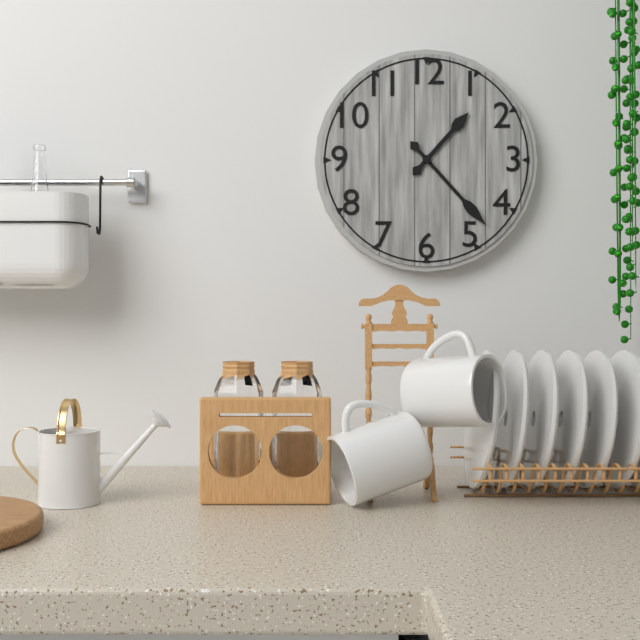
1 h 23 min
